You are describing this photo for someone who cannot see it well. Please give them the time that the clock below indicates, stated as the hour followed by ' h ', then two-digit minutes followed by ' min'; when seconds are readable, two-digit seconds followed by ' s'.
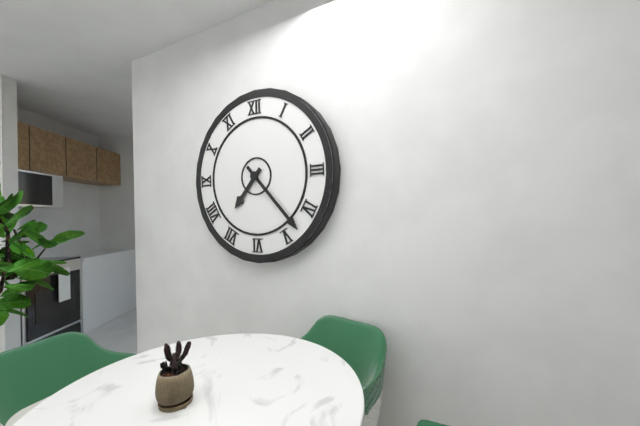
7 h 23 min
